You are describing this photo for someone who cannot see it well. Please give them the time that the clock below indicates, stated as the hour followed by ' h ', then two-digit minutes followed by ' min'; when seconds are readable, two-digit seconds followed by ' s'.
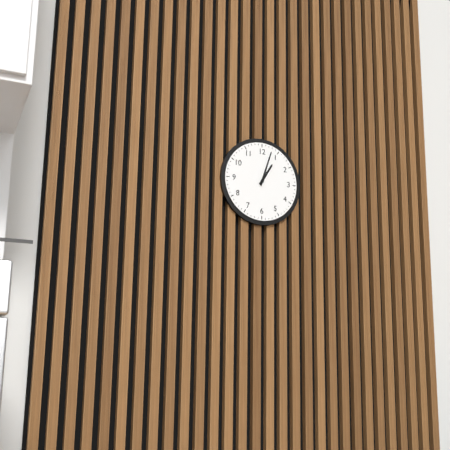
1 h 03 min
